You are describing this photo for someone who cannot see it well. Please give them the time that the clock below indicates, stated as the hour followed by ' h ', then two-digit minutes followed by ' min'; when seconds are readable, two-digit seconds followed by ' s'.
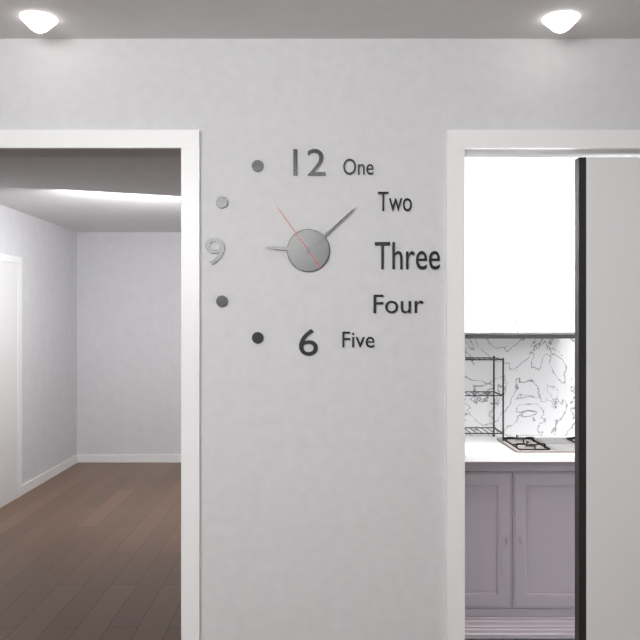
9 h 08 min 54 s
